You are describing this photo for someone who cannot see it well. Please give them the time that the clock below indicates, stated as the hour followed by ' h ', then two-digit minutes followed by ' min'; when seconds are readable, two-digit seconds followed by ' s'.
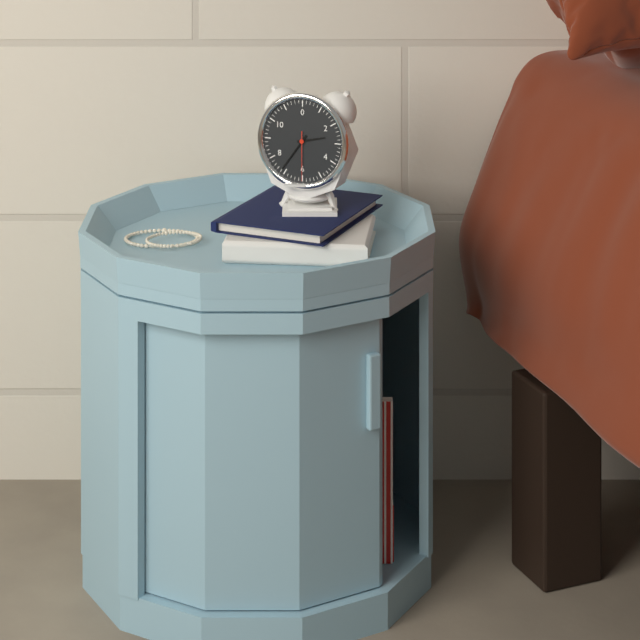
2 h 36 min 30 s
